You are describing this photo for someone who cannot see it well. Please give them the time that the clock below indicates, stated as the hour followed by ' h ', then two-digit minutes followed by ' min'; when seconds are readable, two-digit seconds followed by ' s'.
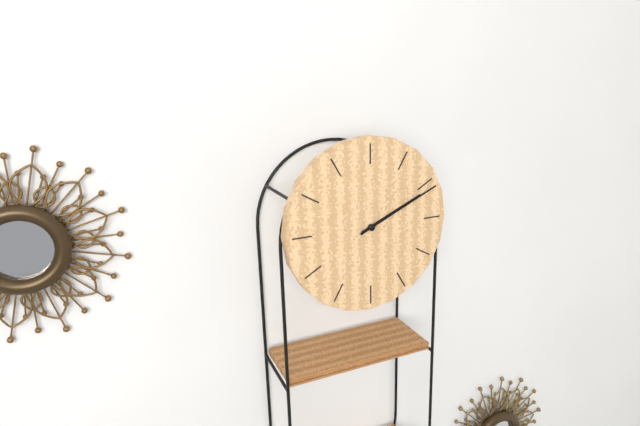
2 h 11 min
